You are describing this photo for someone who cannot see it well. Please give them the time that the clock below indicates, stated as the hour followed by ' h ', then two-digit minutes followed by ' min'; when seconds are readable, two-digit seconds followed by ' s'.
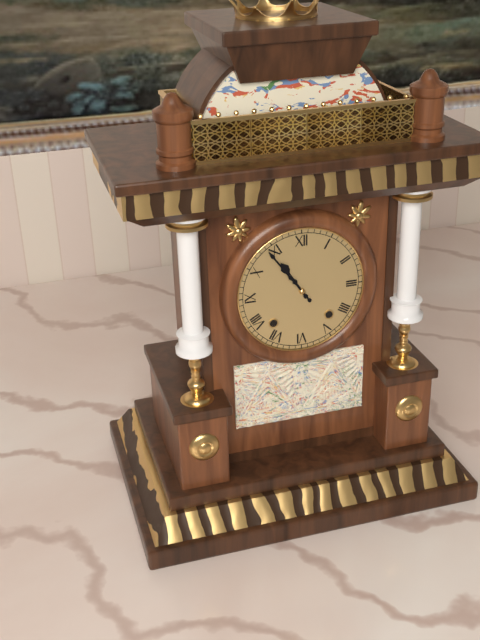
10 h 54 min
